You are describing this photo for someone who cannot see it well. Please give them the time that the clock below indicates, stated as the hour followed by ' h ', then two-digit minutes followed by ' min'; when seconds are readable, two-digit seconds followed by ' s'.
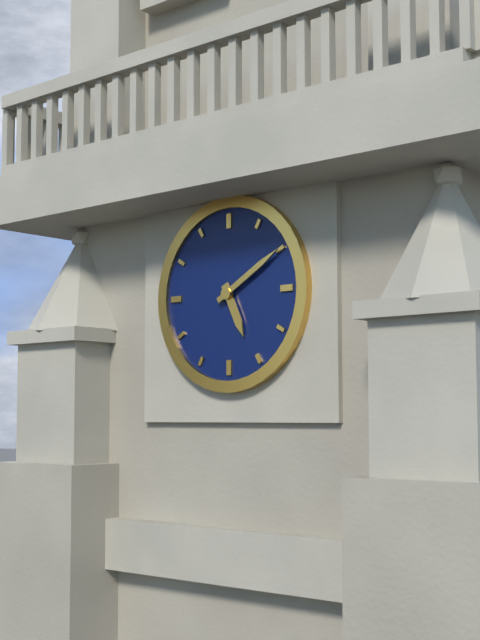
5 h 10 min
